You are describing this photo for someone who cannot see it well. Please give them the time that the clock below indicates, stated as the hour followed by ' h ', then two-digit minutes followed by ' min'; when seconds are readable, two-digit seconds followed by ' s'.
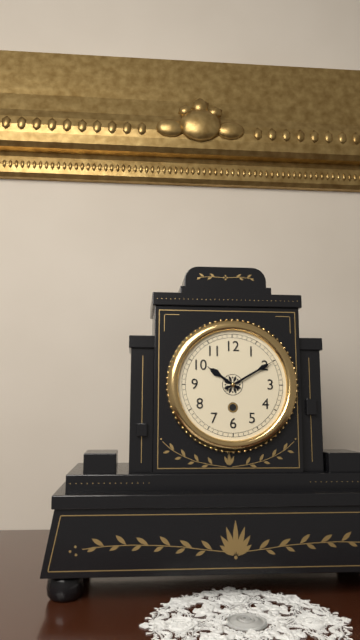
10 h 10 min
